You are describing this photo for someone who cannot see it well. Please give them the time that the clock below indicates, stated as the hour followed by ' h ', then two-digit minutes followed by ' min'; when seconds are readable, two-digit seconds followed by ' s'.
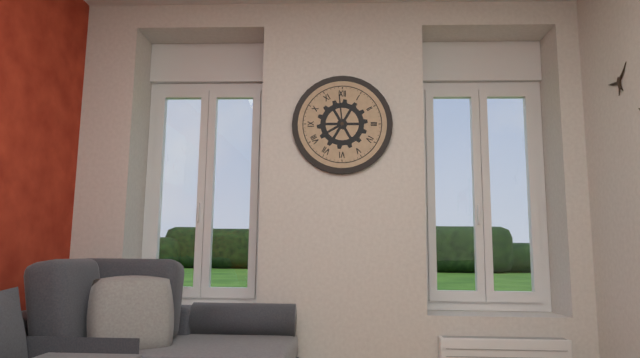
7 h 59 min
